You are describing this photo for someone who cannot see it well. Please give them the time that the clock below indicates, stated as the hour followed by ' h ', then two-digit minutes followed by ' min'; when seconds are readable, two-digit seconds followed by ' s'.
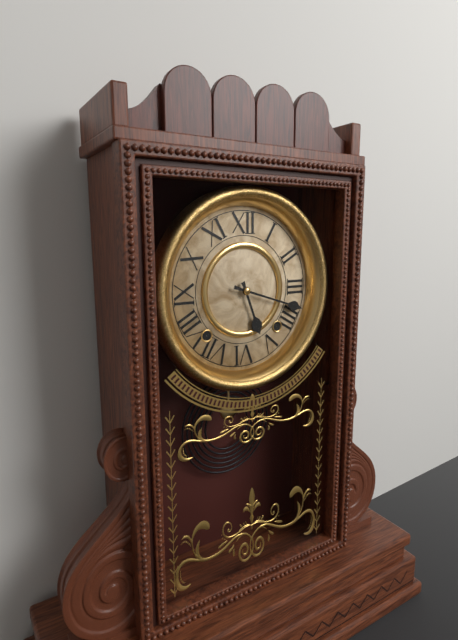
5 h 18 min
